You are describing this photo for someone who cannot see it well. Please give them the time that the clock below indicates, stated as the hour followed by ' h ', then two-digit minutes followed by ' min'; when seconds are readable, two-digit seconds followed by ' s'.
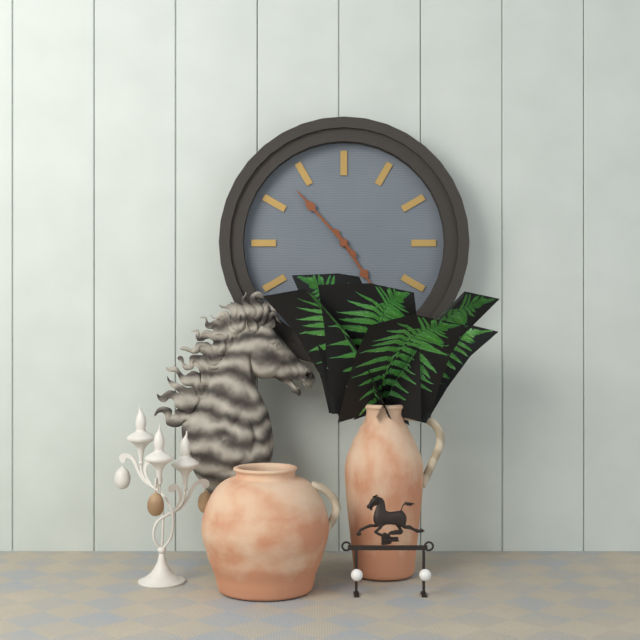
4 h 53 min
